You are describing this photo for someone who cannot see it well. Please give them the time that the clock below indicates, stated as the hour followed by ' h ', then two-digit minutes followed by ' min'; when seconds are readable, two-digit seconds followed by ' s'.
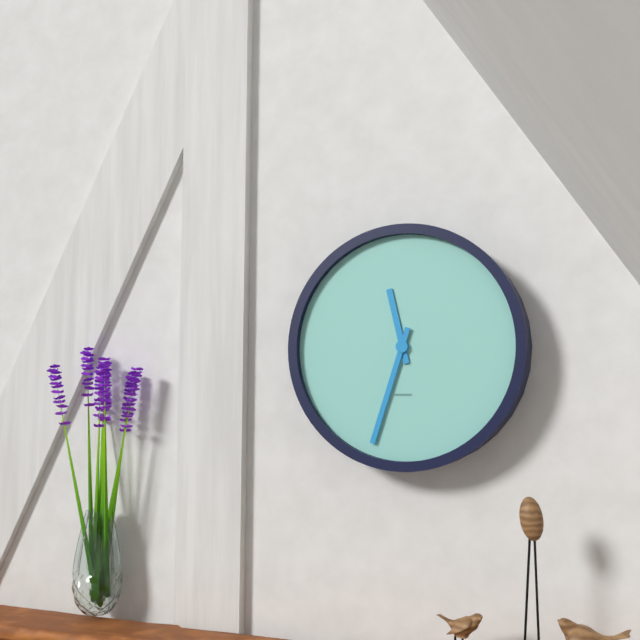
11 h 33 min
